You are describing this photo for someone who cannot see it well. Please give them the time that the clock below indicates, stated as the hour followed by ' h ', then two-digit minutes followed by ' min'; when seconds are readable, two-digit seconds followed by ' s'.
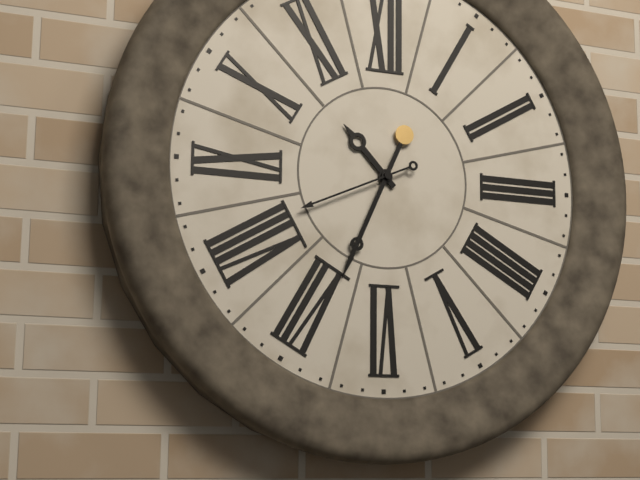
10 h 34 min 41 s
